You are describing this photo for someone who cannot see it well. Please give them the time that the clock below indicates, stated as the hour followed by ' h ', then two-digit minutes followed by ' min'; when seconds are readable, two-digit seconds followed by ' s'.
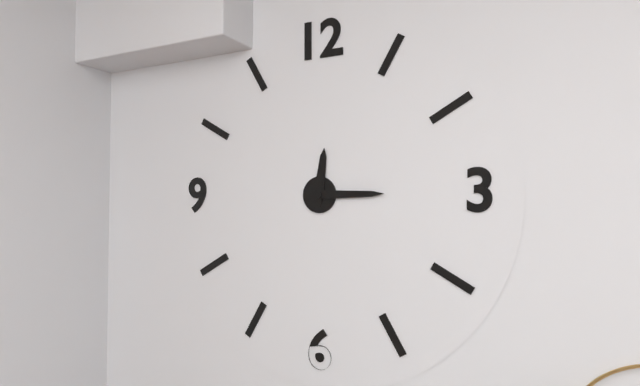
12 h 15 min
